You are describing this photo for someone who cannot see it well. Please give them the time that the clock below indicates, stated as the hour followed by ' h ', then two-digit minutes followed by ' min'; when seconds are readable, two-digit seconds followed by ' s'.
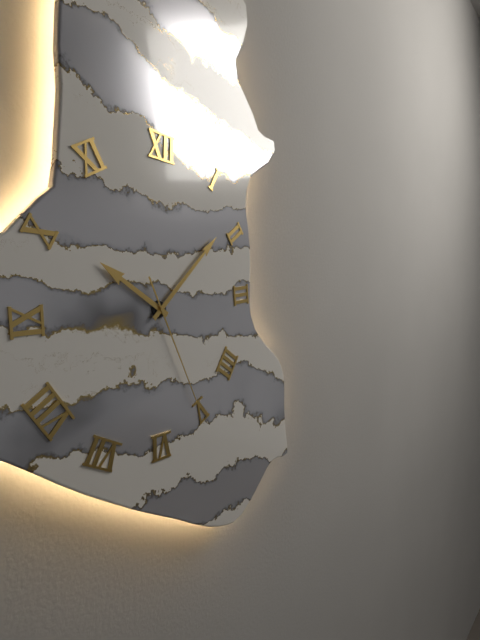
10 h 08 min 26 s
